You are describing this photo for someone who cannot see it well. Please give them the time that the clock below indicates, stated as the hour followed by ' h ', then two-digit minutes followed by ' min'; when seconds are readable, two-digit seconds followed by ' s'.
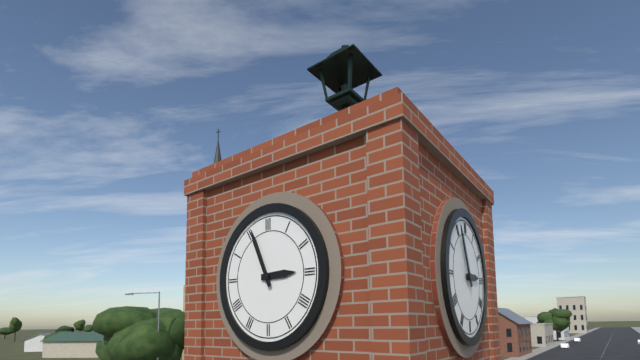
2 h 56 min
